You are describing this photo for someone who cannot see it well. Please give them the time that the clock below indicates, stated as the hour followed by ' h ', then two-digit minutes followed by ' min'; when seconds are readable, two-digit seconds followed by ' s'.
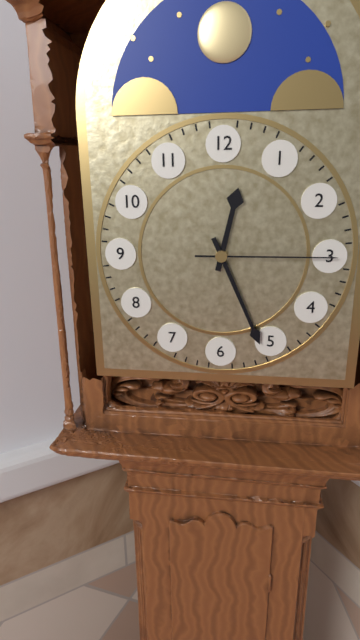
12 h 26 min 15 s
